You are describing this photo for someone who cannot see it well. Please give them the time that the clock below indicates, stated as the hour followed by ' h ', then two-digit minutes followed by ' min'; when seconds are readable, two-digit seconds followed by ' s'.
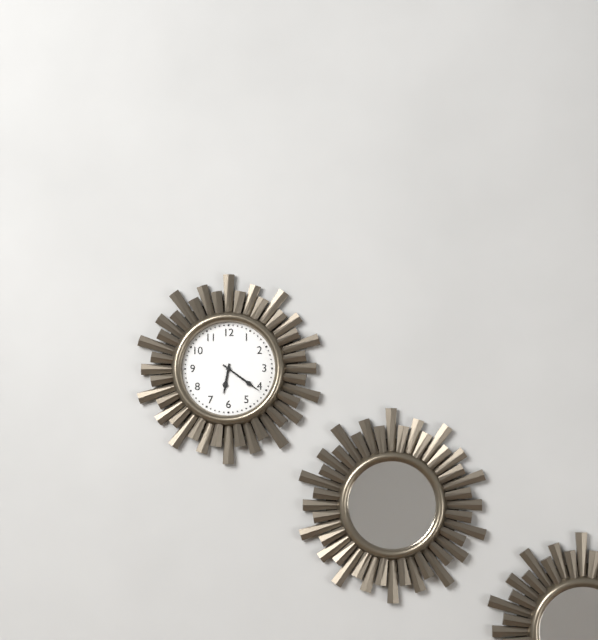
6 h 21 min
